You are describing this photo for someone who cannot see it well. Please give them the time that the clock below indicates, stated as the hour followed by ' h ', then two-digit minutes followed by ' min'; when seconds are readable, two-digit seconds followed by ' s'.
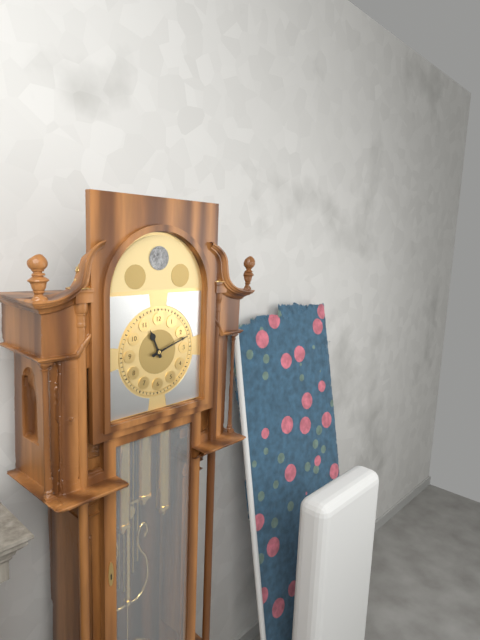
11 h 12 min
